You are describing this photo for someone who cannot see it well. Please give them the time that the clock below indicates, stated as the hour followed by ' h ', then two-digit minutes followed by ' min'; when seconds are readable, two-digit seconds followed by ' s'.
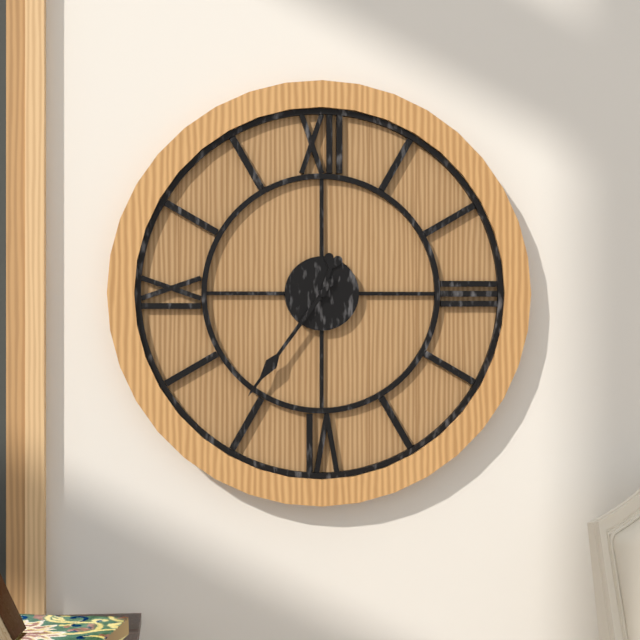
12 h 36 min
